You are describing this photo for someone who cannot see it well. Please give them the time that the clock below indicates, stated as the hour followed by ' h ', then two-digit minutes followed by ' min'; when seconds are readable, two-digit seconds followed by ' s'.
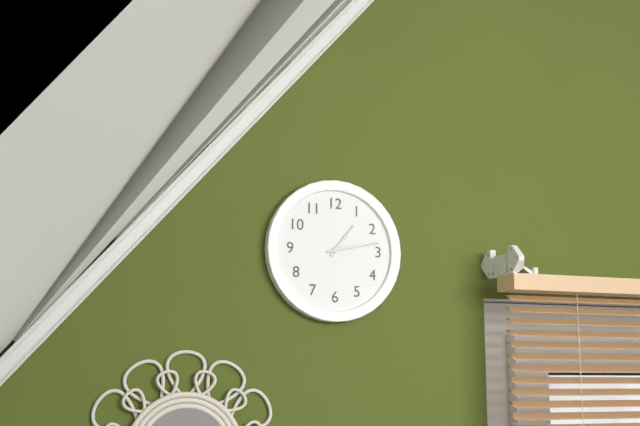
1 h 13 min
